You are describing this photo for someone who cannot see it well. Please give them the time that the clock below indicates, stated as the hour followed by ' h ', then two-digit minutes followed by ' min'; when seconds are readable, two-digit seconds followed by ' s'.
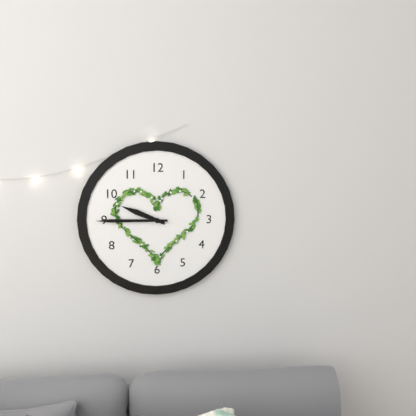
9 h 45 min
